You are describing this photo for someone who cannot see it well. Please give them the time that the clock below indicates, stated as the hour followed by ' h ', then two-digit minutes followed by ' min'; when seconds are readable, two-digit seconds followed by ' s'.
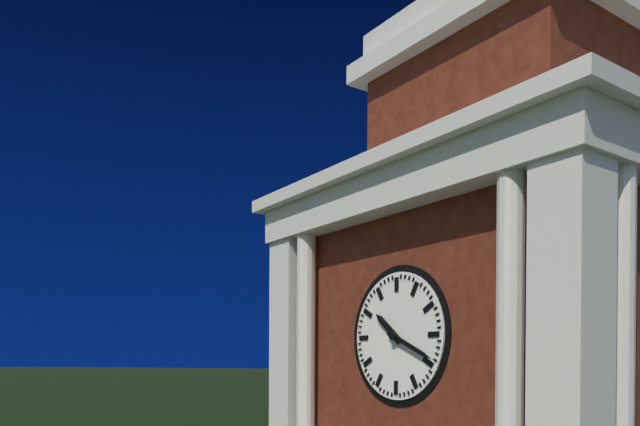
10 h 19 min
